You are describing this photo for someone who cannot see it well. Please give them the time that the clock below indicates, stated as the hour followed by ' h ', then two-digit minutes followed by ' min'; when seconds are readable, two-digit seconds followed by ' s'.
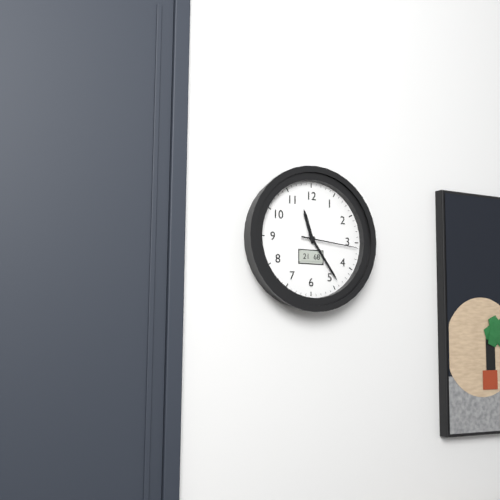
11 h 24 min 16 s
